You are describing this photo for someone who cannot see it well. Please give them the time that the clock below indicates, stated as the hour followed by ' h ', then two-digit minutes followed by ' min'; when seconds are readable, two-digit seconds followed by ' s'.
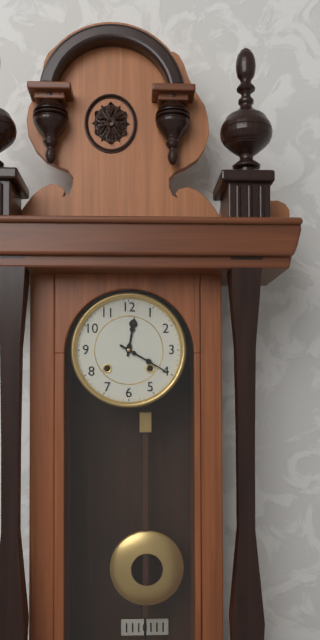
12 h 20 min
